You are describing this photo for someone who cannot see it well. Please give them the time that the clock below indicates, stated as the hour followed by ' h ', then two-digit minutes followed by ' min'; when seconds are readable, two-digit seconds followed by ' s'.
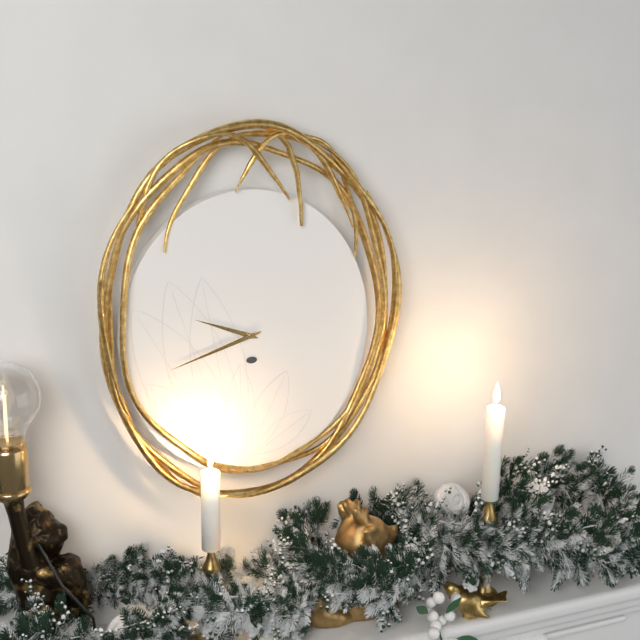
9 h 42 min
